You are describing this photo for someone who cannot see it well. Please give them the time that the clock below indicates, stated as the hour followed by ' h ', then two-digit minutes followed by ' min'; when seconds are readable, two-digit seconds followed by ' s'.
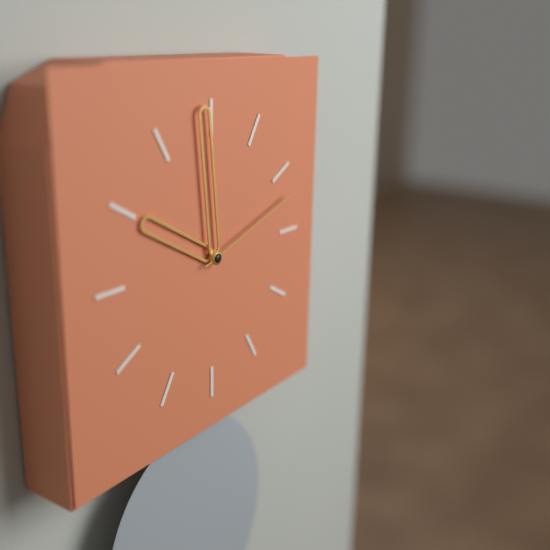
9 h 59 min 12 s
